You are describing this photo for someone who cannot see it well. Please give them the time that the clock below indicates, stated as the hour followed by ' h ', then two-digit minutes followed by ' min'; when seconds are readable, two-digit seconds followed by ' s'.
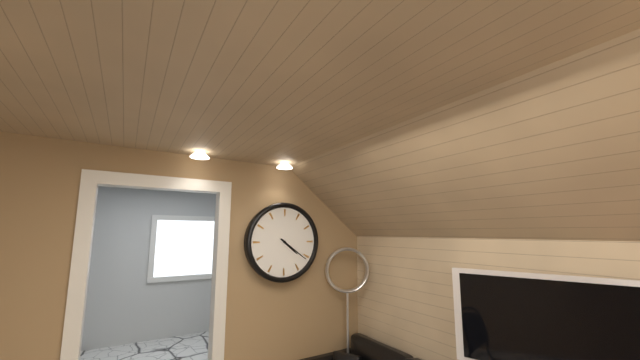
4 h 21 min
